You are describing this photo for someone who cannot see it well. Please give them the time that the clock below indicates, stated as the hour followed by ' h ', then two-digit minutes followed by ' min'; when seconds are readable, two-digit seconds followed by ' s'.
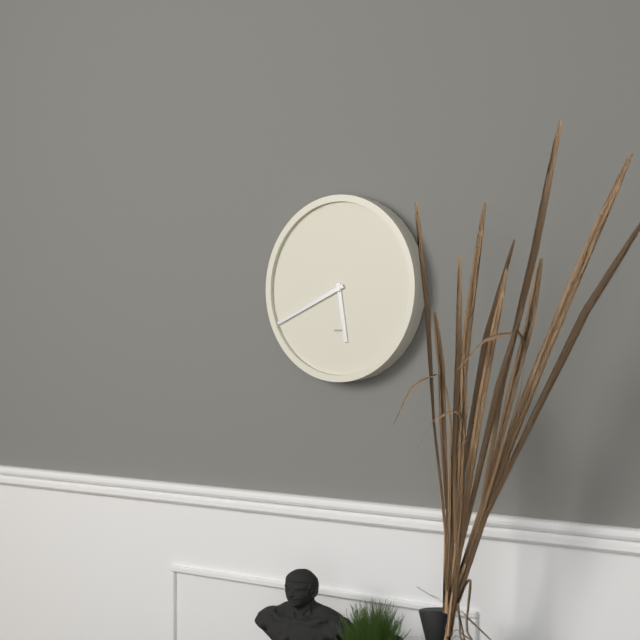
5 h 41 min
